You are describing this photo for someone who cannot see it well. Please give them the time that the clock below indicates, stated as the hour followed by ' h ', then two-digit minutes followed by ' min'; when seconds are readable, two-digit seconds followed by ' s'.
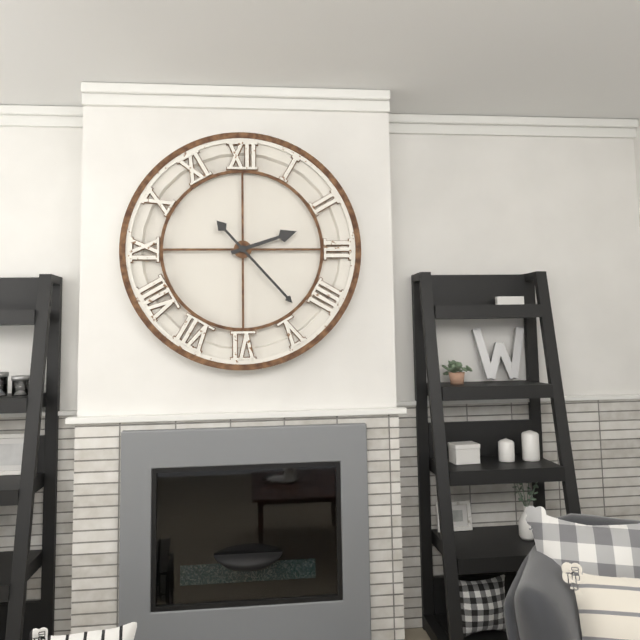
2 h 23 min
